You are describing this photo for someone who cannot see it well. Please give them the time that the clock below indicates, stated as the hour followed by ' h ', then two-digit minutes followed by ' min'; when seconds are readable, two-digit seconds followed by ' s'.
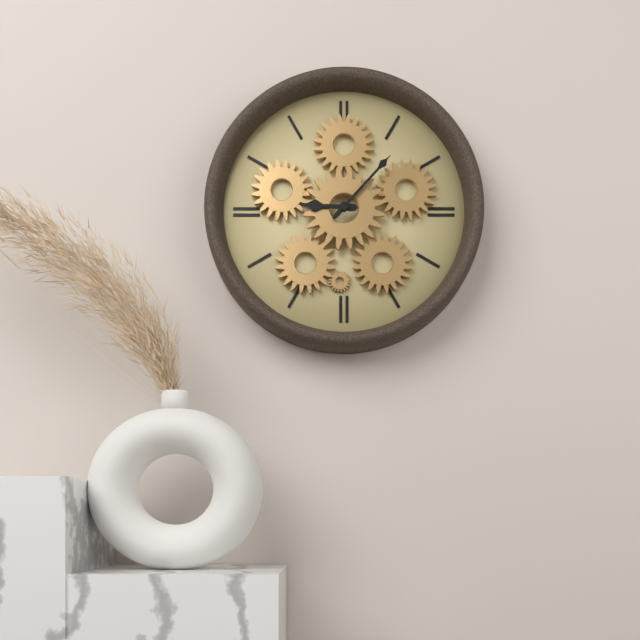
9 h 07 min
